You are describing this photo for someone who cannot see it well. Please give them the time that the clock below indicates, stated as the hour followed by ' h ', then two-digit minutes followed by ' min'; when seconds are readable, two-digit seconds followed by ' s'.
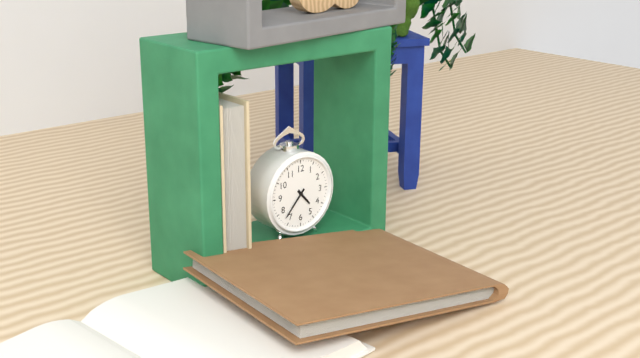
4 h 37 min
